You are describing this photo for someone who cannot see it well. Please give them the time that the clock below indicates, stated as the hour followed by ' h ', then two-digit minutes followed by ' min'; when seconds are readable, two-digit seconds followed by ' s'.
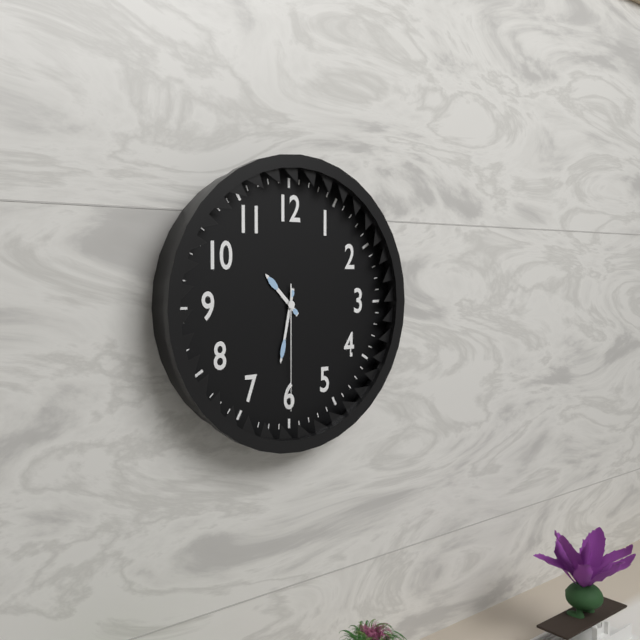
10 h 32 min 30 s
